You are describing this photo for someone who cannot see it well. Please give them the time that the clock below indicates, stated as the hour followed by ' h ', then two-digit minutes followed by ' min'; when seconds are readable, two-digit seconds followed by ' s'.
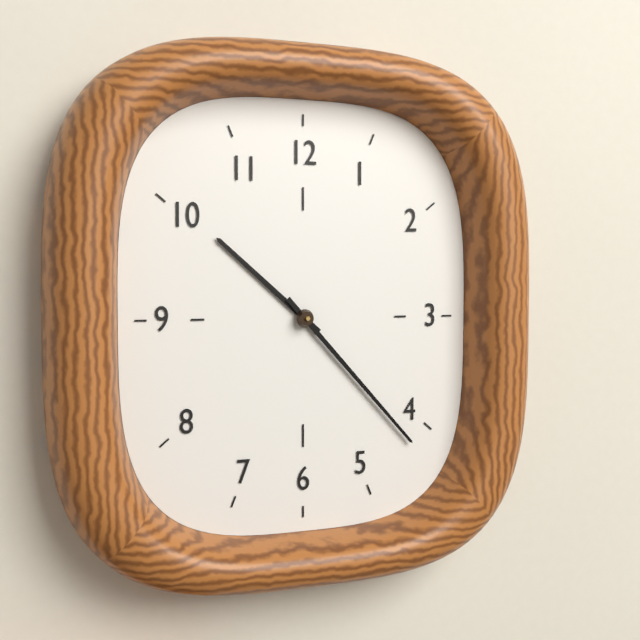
10 h 23 min
